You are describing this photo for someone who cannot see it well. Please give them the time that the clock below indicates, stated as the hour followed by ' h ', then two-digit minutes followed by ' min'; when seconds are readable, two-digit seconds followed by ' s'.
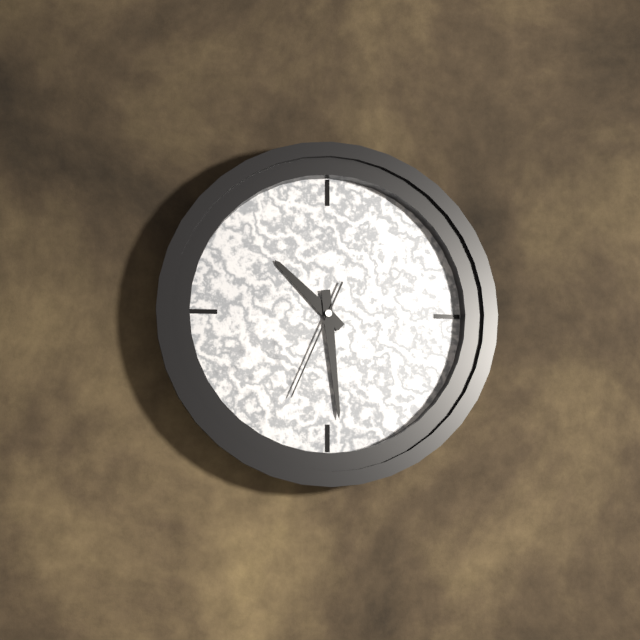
10 h 29 min 34 s
